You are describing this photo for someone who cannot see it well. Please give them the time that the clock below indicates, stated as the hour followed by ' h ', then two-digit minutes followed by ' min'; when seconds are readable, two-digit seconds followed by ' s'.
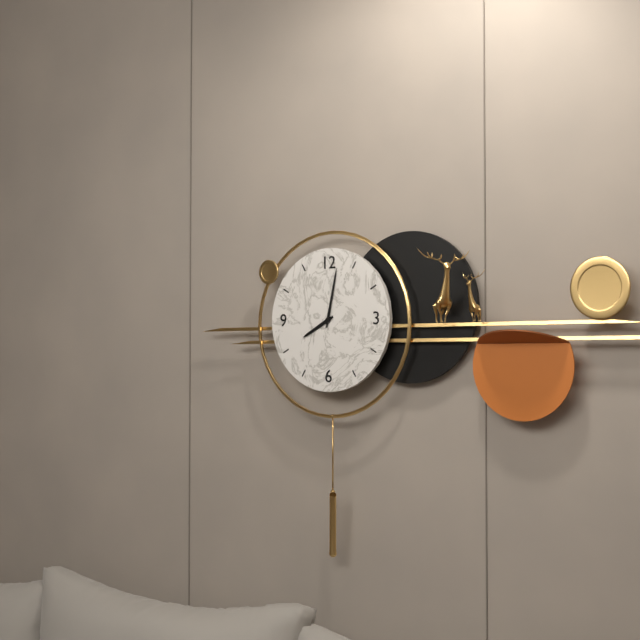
8 h 02 min
